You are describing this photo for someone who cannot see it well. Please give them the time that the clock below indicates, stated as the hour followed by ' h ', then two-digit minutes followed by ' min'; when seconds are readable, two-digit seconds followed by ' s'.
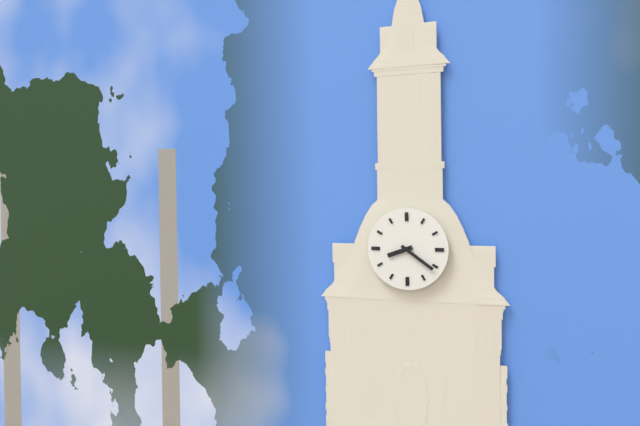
8 h 21 min
